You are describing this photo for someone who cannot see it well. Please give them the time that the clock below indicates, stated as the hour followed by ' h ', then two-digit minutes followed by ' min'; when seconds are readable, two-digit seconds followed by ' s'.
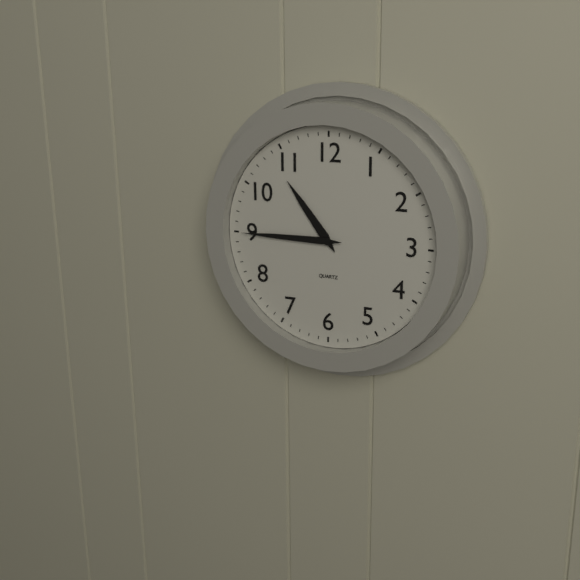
10 h 45 min
